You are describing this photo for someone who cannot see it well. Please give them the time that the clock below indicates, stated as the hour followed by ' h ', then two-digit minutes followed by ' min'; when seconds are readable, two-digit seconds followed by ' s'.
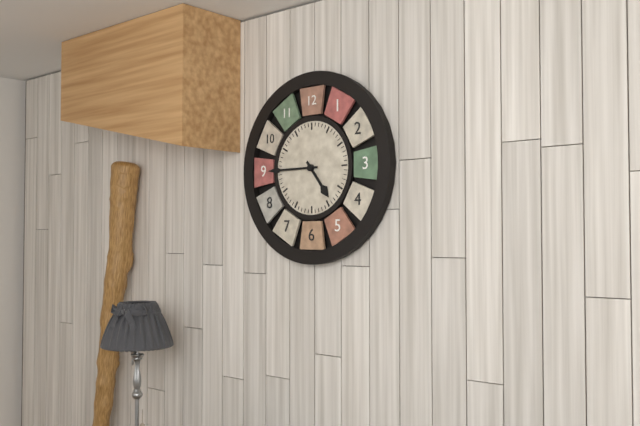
4 h 45 min
